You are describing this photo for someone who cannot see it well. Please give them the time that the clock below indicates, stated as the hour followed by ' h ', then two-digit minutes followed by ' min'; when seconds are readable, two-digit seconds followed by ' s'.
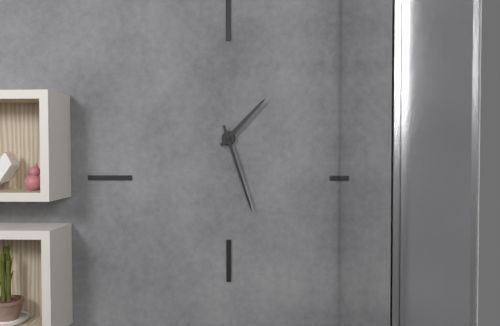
1 h 27 min
